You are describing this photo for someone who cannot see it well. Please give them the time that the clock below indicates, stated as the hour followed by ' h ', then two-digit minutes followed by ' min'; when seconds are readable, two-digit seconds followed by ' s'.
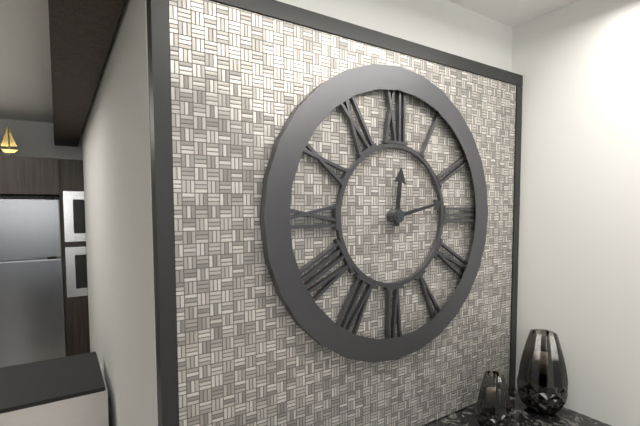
12 h 13 min
